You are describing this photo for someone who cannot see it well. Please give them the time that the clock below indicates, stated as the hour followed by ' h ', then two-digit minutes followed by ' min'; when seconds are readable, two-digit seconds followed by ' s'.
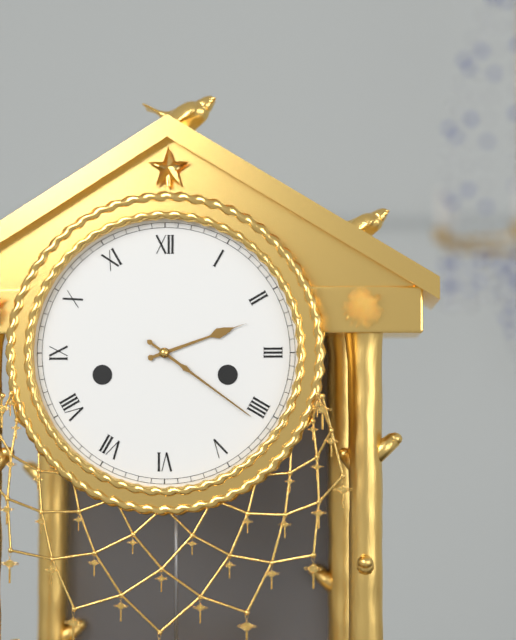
2 h 21 min
